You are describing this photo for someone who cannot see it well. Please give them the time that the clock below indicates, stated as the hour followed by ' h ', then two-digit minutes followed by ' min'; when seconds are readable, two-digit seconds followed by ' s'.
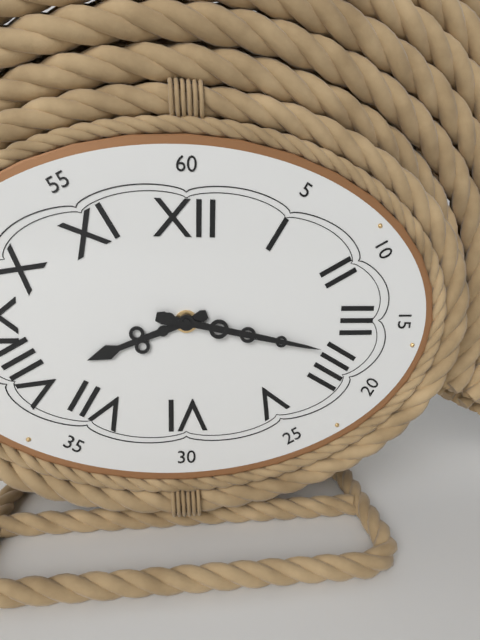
8 h 17 min
